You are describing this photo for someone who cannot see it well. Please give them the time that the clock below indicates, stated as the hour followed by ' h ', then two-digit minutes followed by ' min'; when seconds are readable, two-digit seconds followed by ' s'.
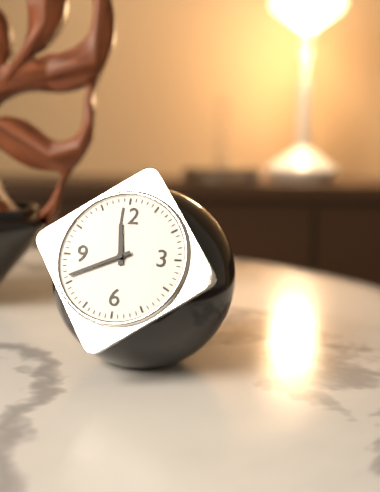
11 h 41 min
